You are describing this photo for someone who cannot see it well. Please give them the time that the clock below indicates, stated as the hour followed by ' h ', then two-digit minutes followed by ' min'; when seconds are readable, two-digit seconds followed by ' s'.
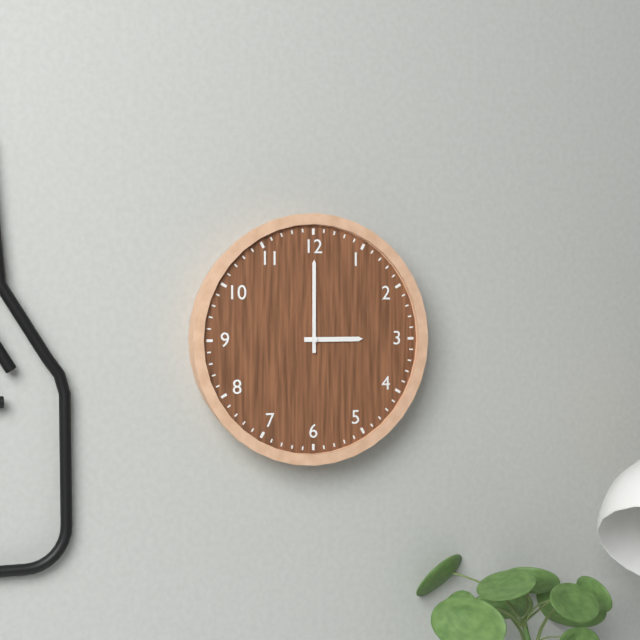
3 h 00 min
